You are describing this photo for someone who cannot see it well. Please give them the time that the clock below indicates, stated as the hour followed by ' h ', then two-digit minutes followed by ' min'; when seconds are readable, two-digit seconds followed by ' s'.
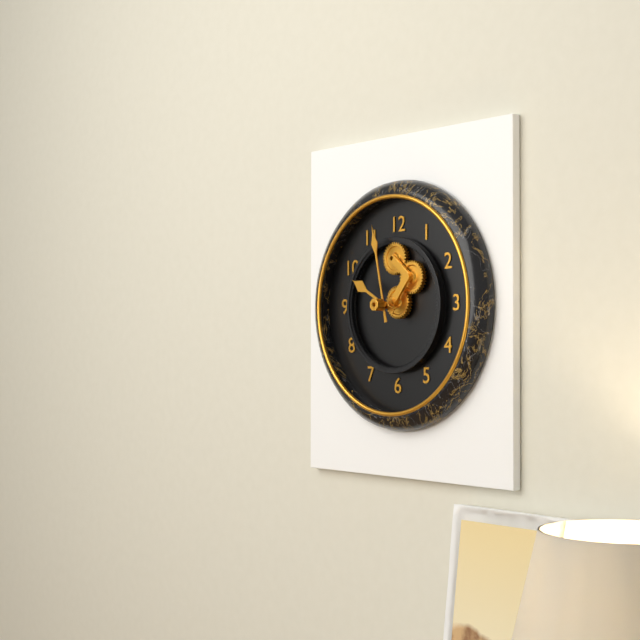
9 h 58 min
